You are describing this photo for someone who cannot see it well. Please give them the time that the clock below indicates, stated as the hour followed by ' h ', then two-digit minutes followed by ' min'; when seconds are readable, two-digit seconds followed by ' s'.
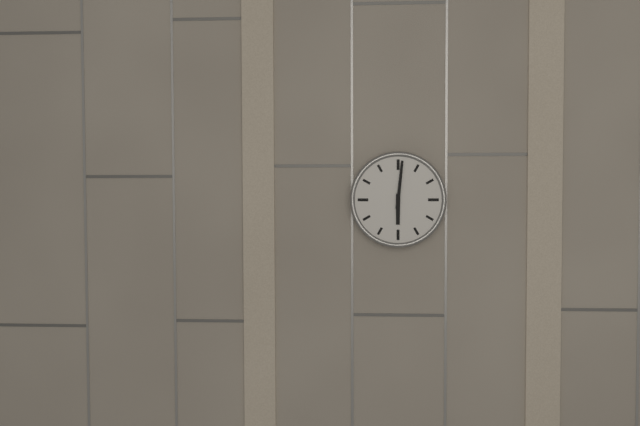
6 h 01 min
